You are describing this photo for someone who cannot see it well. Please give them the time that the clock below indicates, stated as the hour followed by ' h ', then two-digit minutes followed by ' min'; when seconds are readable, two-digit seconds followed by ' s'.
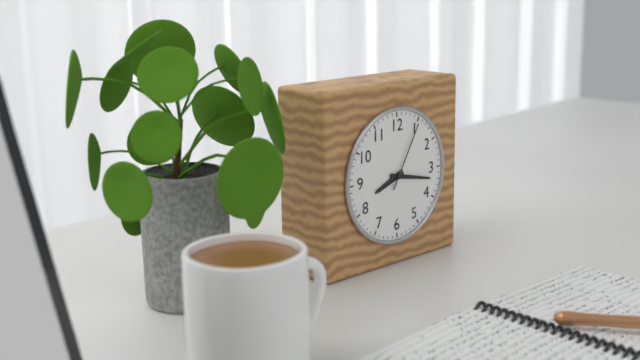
8 h 17 min 05 s
